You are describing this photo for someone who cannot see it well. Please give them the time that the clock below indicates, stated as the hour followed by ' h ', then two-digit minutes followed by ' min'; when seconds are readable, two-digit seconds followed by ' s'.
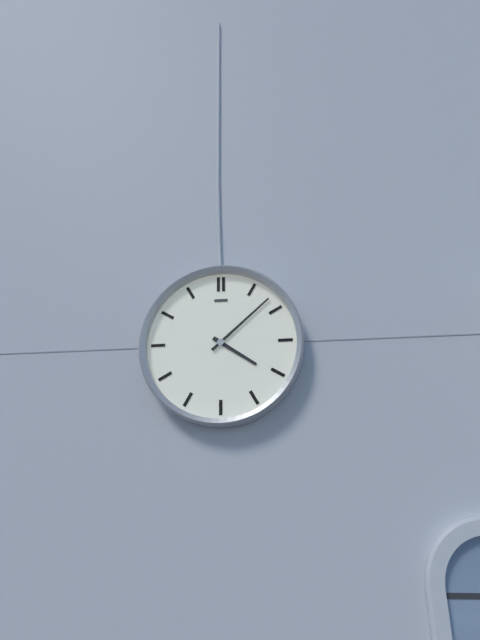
4 h 08 min
